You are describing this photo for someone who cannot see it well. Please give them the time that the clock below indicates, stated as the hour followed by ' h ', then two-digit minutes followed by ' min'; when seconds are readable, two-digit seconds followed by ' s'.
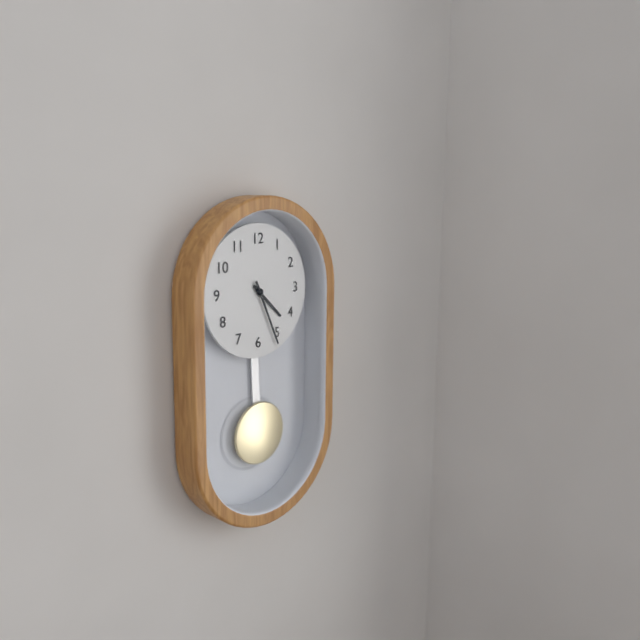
4 h 26 min
